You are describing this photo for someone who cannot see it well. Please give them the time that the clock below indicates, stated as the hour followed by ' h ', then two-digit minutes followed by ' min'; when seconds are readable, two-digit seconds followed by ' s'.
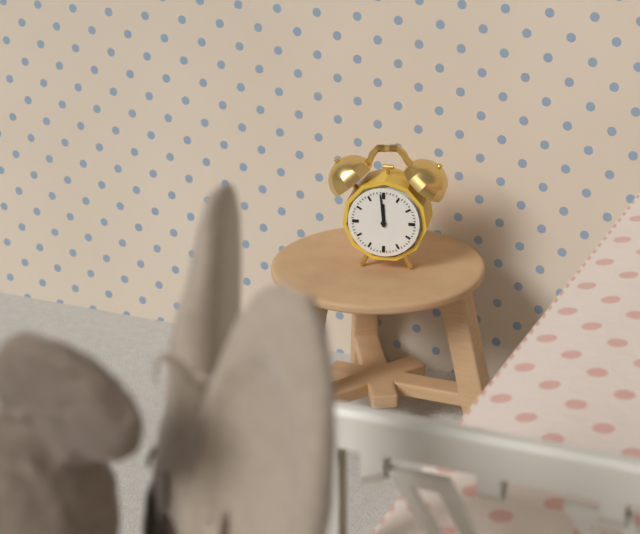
11 h 59 min
